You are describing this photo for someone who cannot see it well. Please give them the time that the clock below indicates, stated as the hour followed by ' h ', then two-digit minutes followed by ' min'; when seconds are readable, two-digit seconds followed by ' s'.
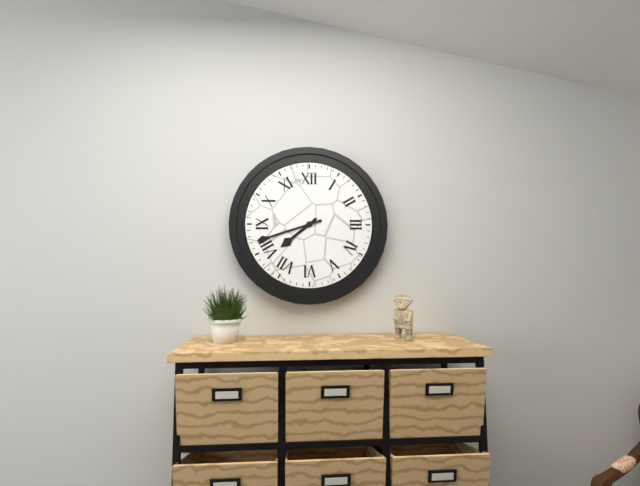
7 h 42 min
